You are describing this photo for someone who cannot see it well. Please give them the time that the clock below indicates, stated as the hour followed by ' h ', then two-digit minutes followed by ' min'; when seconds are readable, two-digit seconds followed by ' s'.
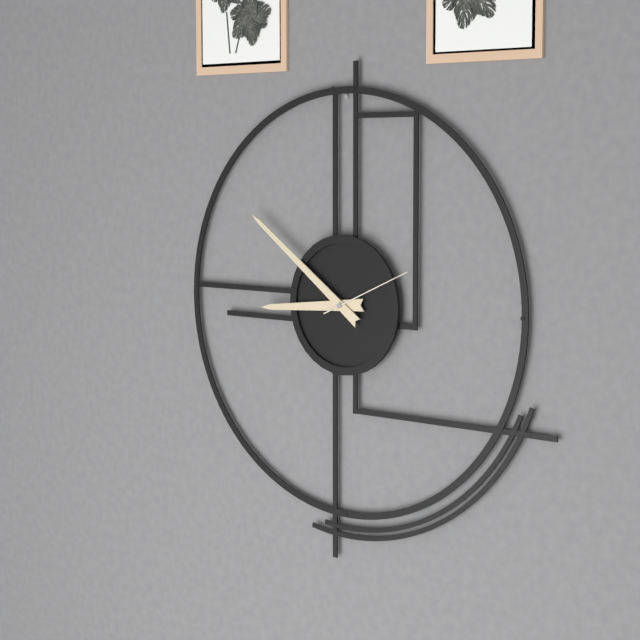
8 h 51 min 11 s
